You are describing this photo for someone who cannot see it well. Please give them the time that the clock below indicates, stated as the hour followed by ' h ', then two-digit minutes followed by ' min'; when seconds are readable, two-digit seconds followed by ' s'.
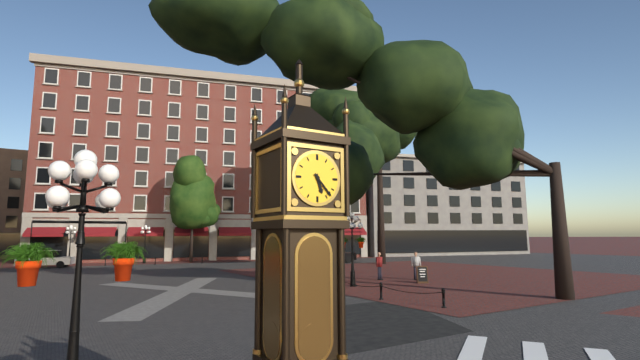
5 h 23 min
